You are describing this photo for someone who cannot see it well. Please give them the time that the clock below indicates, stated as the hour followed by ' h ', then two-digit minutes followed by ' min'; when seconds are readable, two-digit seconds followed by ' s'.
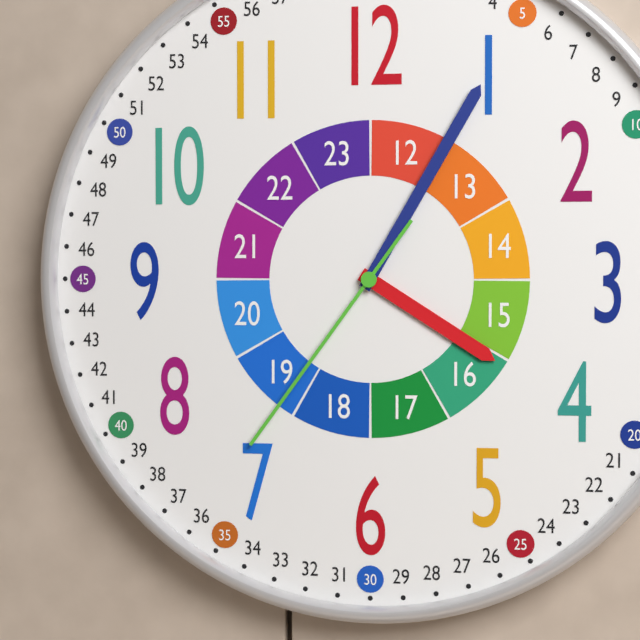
4 h 05 min 36 s
